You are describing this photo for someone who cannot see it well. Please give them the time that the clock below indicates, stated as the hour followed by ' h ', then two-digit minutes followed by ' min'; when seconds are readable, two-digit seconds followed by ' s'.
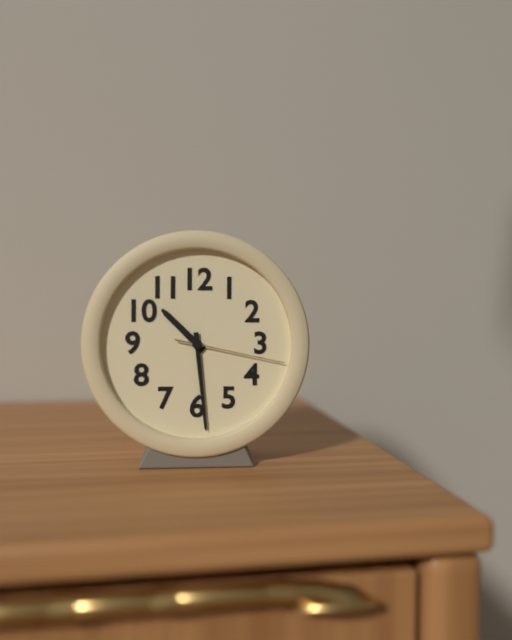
10 h 29 min 17 s
